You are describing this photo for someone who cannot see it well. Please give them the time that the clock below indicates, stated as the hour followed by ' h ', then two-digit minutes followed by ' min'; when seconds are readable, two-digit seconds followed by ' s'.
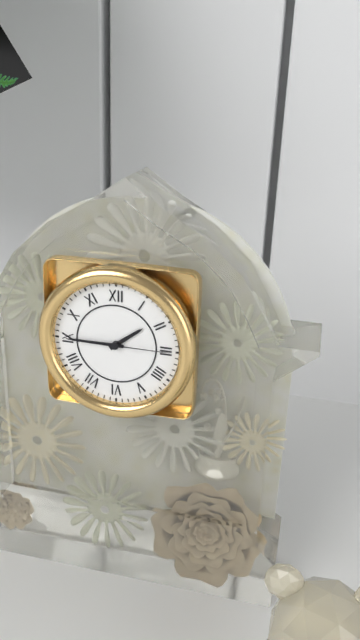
1 h 45 min 15 s
